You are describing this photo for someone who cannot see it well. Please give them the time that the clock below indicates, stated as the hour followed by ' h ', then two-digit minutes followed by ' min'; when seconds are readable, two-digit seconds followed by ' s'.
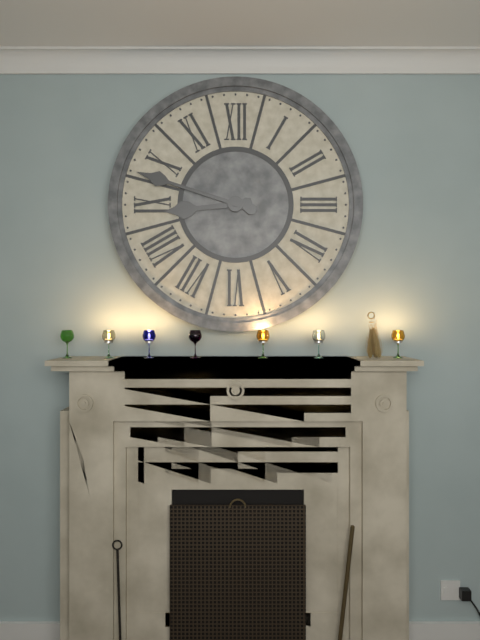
8 h 48 min
